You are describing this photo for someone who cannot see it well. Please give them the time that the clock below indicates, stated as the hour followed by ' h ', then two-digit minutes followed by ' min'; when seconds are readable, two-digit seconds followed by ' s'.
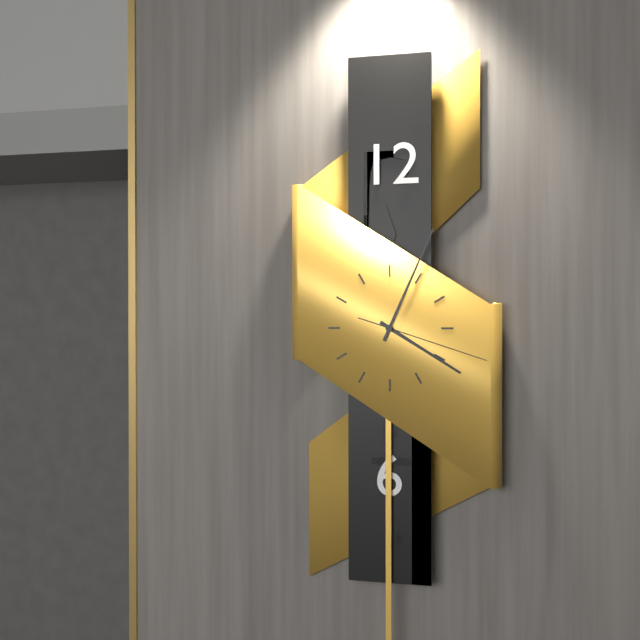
4 h 04 min 18 s
